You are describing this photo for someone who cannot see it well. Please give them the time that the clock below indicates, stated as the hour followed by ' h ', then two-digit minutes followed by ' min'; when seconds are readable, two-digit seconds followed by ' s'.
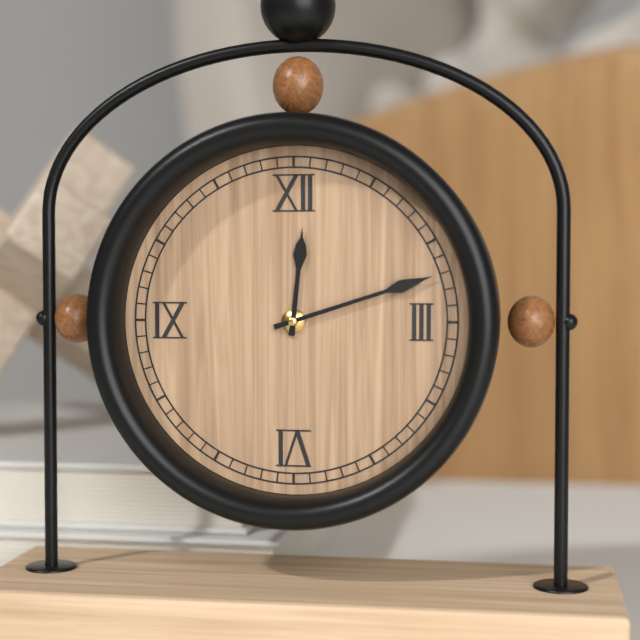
12 h 12 min
